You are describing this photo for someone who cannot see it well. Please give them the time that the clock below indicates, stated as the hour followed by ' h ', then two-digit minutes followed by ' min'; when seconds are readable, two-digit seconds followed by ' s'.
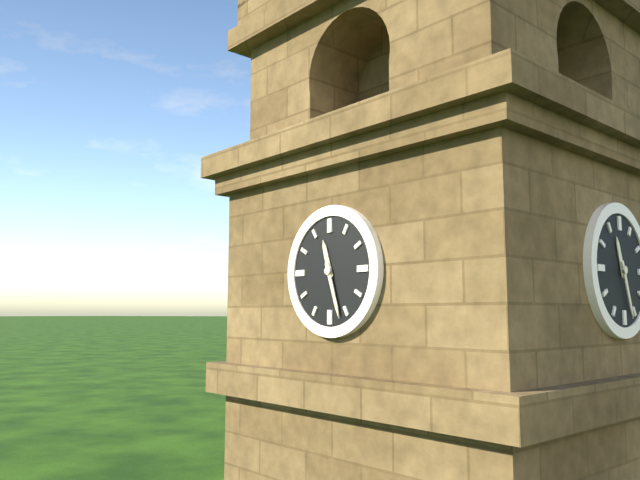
11 h 27 min
